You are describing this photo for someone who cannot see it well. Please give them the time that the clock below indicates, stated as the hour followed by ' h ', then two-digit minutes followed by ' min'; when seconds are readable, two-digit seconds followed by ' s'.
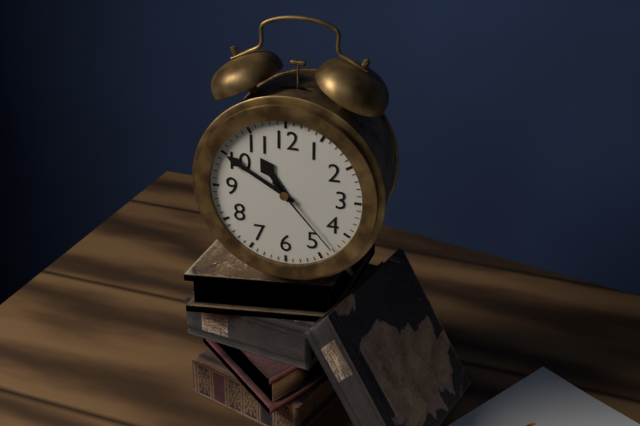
10 h 50 min 23 s
